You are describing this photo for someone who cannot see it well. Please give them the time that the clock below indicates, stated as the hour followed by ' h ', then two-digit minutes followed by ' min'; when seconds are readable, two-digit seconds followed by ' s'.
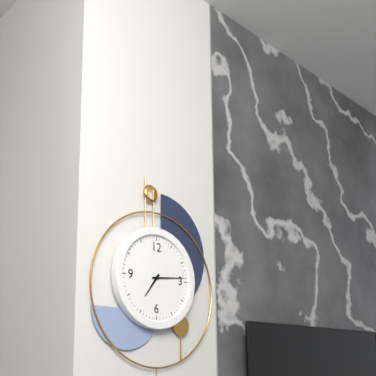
7 h 14 min
